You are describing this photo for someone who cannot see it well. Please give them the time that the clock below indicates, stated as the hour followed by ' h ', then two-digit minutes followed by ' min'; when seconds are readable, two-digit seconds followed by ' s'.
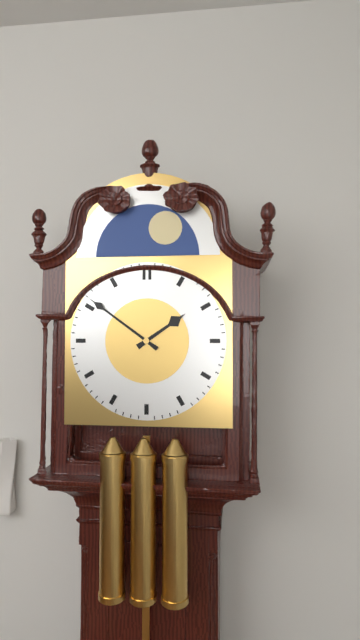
1 h 51 min
